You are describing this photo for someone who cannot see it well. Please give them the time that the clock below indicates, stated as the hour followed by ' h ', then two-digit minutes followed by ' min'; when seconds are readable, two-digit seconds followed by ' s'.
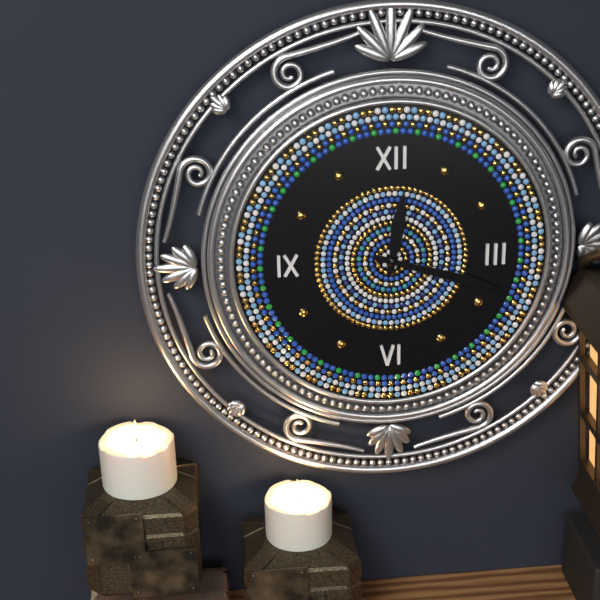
12 h 18 min
